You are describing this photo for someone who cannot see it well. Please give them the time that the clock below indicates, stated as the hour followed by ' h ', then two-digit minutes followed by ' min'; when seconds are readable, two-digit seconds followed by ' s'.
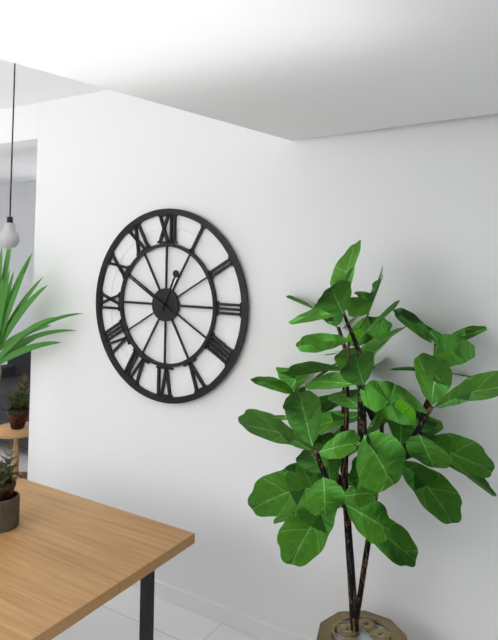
12 h 50 min
